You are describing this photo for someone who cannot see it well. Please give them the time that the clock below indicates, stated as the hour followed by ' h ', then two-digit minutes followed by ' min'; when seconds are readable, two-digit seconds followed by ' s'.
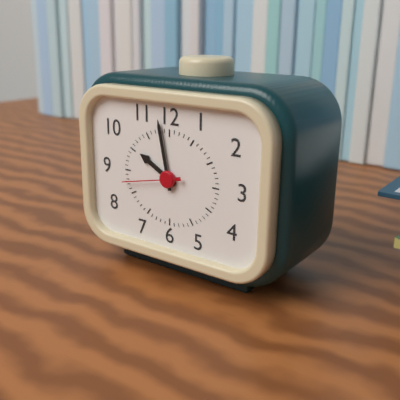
9 h 58 min 43 s
